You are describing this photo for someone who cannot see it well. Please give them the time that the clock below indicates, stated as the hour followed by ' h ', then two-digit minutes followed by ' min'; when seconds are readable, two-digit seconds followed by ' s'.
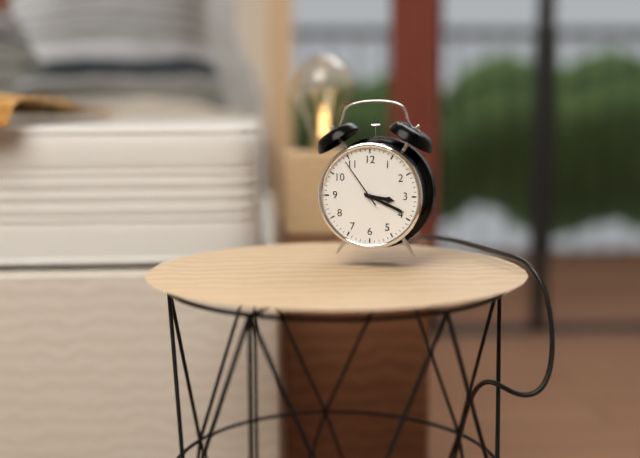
3 h 19 min 54 s
